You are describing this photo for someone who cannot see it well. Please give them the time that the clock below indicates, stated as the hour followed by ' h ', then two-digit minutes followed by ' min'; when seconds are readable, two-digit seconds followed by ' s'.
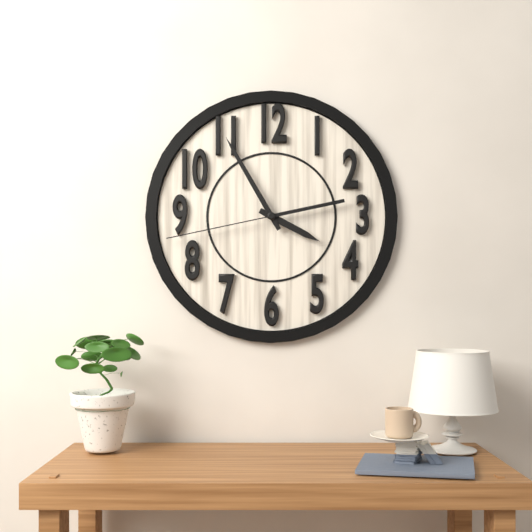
3 h 55 min 43 s
